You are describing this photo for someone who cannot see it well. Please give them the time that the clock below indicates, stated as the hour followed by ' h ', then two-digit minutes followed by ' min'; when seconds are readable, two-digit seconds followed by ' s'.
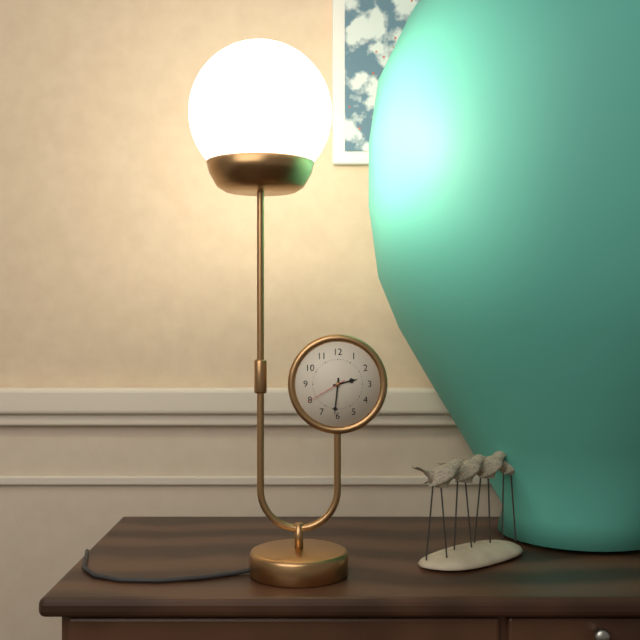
2 h 31 min
